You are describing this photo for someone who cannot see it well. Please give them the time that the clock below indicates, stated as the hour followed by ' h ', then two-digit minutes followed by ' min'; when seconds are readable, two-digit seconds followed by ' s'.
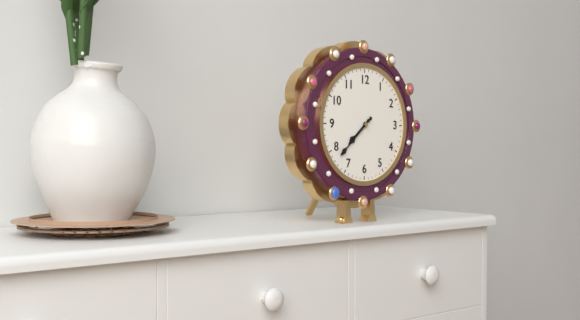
7 h 38 min
